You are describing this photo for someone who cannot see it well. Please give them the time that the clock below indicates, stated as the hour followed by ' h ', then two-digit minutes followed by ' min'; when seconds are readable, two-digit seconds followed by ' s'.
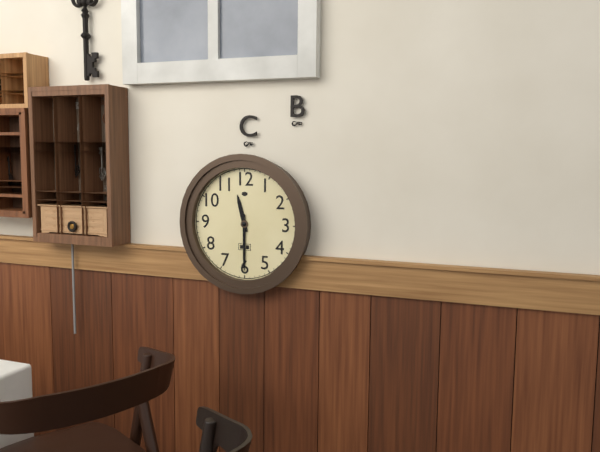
11 h 30 min
